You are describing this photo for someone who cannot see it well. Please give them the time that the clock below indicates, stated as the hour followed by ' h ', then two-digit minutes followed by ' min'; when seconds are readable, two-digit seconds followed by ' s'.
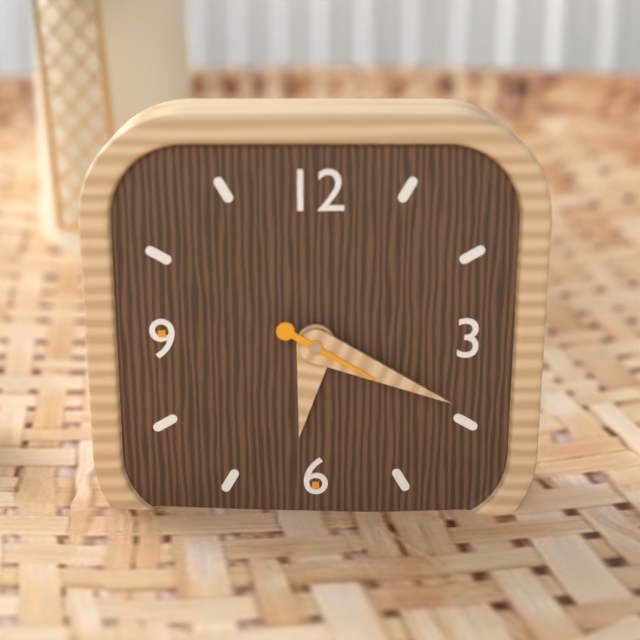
6 h 19 min 20 s
